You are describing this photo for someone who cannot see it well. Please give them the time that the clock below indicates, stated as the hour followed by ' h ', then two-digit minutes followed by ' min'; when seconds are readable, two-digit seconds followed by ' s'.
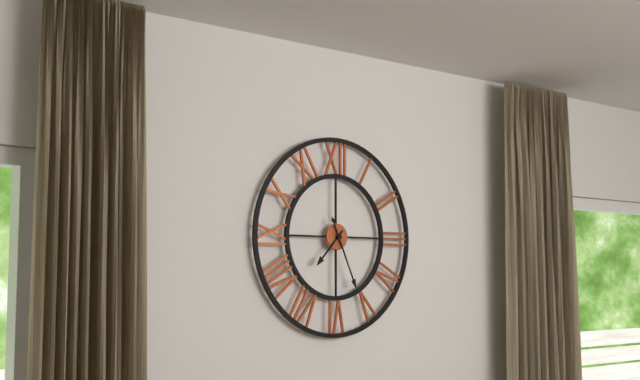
7 h 26 min
